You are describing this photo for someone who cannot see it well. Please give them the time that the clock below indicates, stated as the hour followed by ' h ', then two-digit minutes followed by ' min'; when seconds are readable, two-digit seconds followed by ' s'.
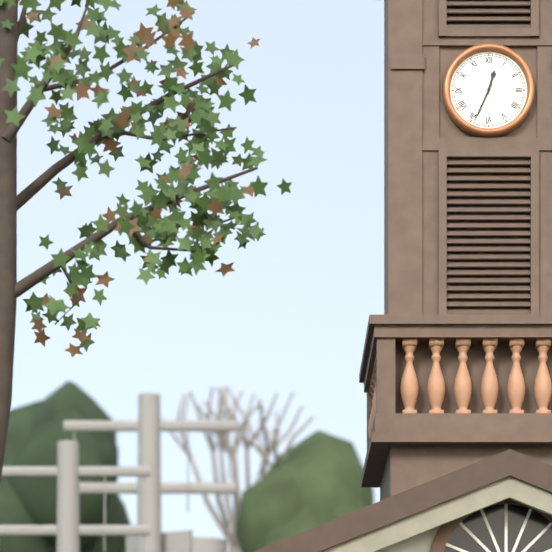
12 h 34 min
